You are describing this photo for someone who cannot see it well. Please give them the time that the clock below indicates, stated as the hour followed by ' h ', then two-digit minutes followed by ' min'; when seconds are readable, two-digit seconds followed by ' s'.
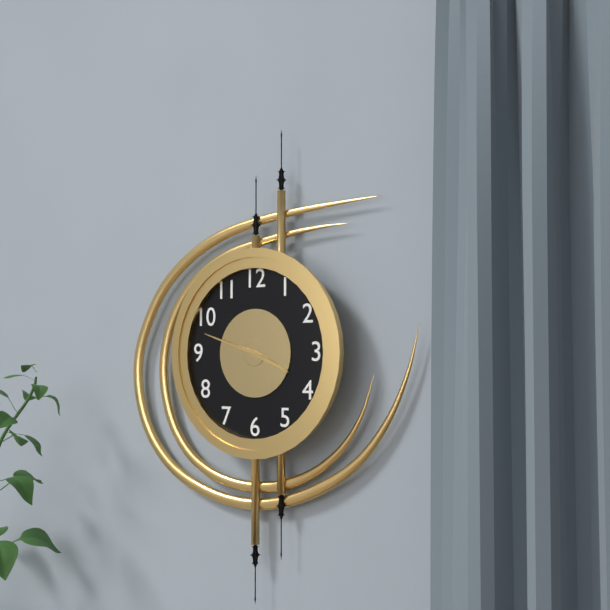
3 h 48 min
